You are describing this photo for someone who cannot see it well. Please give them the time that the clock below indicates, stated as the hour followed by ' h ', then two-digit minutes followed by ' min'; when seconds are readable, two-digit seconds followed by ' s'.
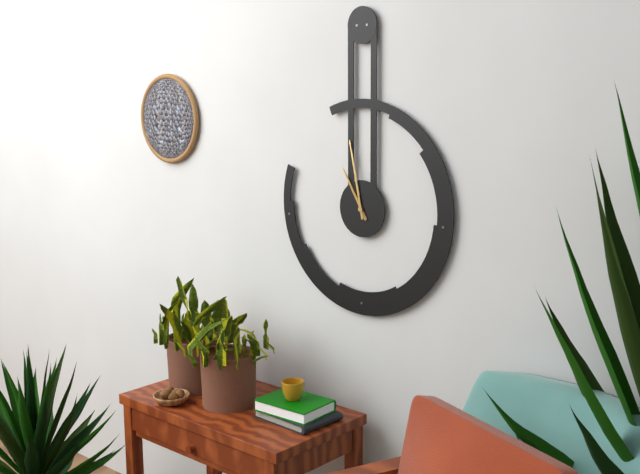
10 h 58 min 55 s
